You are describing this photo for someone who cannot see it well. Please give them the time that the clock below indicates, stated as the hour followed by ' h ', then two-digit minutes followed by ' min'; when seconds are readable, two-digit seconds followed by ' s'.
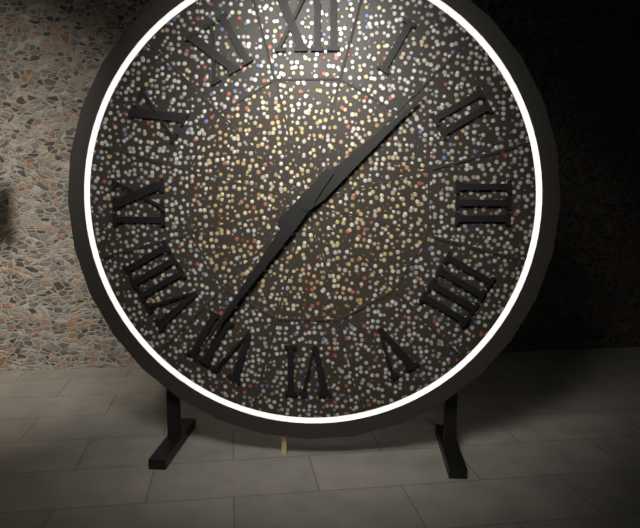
1 h 36 min
